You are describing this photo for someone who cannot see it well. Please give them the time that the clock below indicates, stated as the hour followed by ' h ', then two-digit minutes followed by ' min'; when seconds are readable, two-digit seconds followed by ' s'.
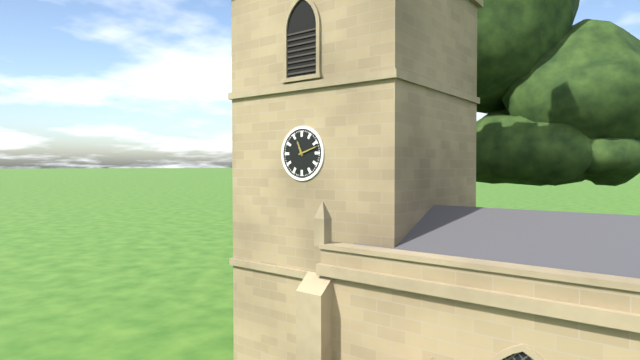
11 h 12 min
